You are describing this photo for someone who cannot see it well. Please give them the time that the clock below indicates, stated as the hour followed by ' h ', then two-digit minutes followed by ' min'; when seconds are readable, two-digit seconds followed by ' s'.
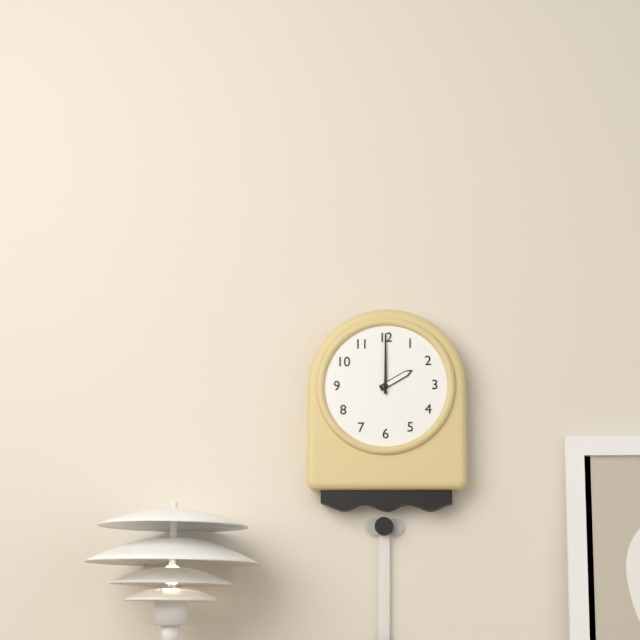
2 h 00 min
